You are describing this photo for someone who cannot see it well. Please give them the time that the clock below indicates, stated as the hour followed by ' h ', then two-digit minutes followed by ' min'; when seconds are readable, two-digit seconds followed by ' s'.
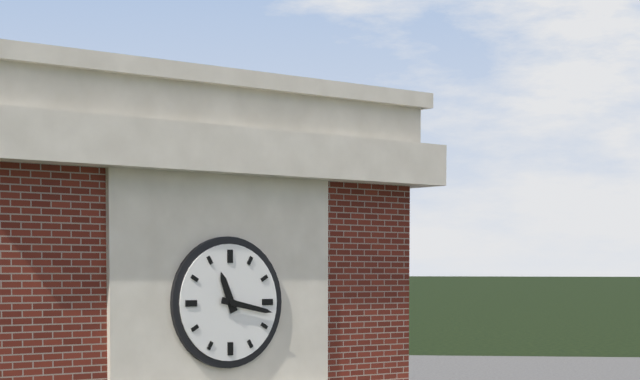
11 h 17 min
